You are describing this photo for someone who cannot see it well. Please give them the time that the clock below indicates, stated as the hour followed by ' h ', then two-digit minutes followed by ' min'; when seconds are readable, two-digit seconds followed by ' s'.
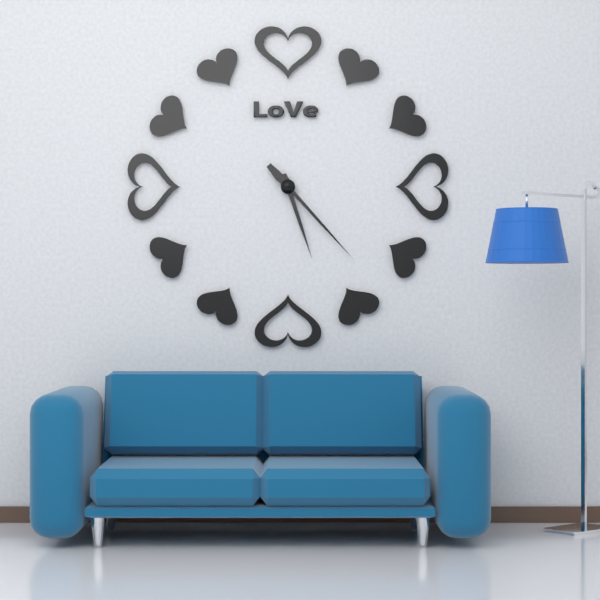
5 h 23 min
